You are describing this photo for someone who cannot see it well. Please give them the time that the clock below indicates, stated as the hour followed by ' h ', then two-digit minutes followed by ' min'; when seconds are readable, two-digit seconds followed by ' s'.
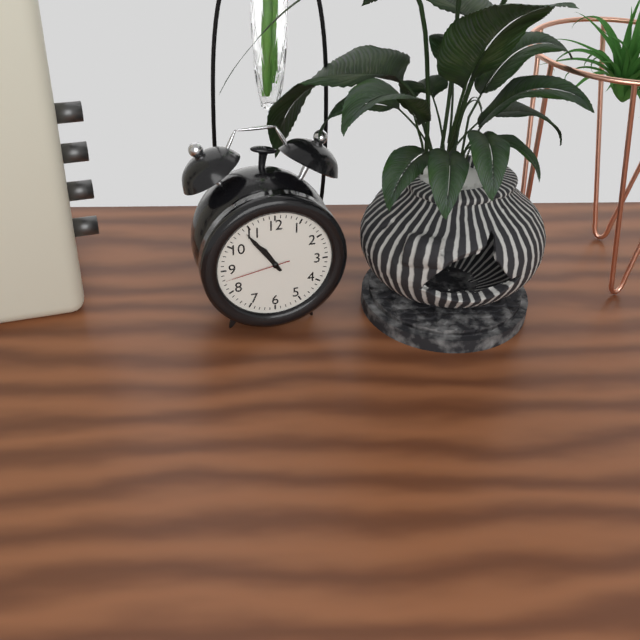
10 h 54 min 43 s
